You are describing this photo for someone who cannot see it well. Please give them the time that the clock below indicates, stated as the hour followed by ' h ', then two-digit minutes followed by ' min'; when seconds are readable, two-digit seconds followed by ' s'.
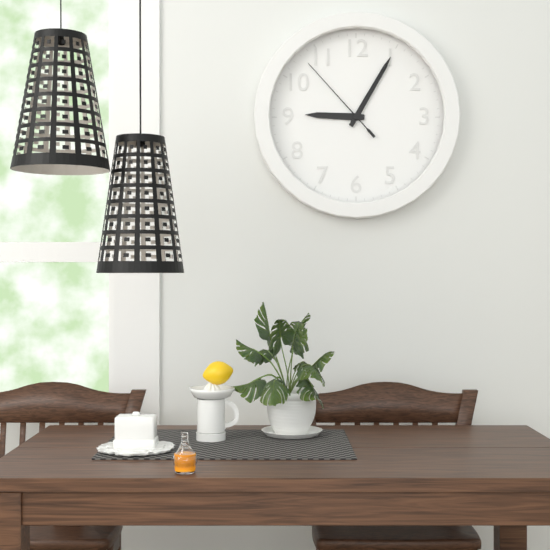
9 h 05 min 53 s
